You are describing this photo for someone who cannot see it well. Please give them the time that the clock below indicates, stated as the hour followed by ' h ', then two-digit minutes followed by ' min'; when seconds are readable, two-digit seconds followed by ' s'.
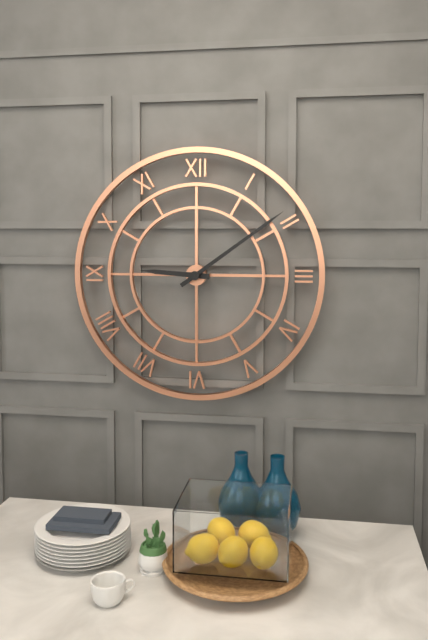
9 h 09 min
